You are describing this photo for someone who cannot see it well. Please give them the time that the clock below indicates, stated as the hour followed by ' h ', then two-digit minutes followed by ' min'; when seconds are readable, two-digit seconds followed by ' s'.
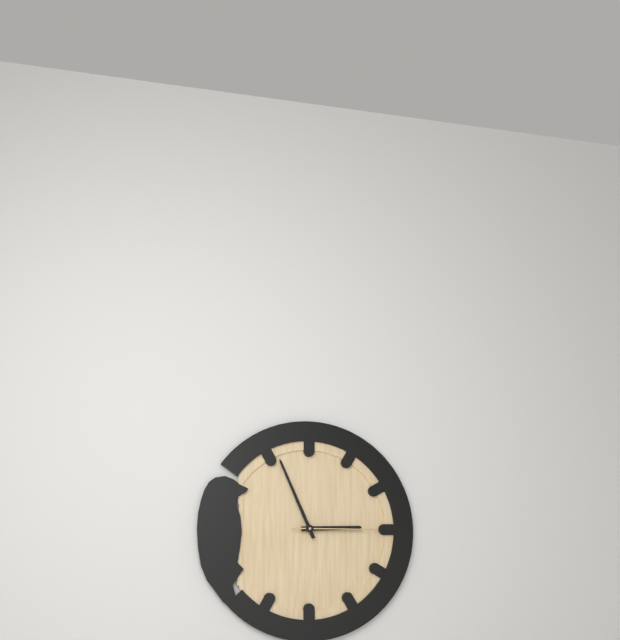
2 h 56 min 15 s
